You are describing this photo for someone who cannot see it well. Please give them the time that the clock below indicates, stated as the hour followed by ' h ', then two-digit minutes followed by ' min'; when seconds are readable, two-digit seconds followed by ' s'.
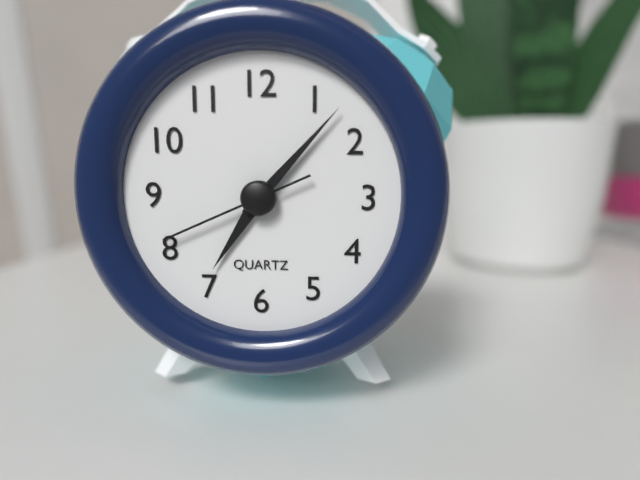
7 h 07 min 41 s
